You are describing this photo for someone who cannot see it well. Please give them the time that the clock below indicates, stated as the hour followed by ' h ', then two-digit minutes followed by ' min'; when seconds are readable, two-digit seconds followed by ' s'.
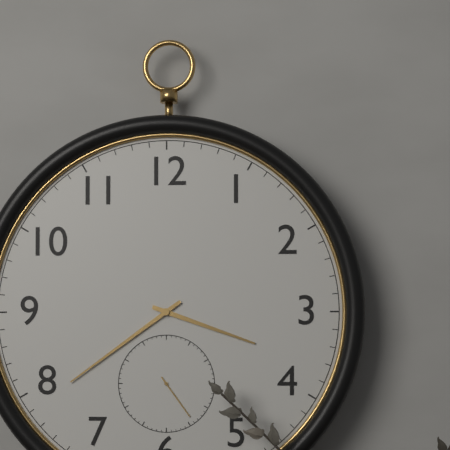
3 h 39 min 24 s
